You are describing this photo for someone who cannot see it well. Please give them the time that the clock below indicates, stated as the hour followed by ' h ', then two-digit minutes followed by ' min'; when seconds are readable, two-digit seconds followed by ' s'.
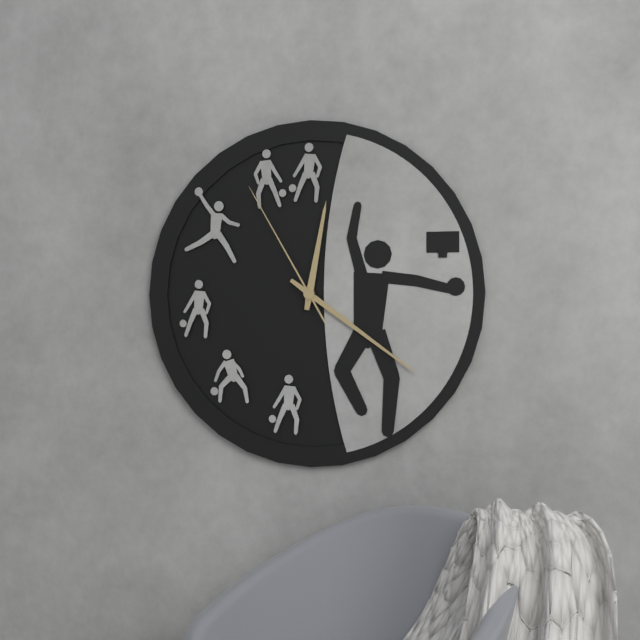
12 h 21 min 55 s
